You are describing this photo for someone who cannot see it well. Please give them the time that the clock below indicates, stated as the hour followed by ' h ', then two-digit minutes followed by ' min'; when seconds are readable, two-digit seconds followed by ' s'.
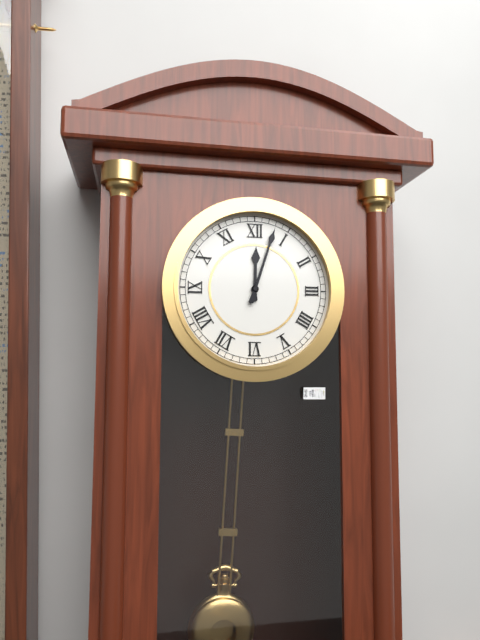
12 h 03 min
